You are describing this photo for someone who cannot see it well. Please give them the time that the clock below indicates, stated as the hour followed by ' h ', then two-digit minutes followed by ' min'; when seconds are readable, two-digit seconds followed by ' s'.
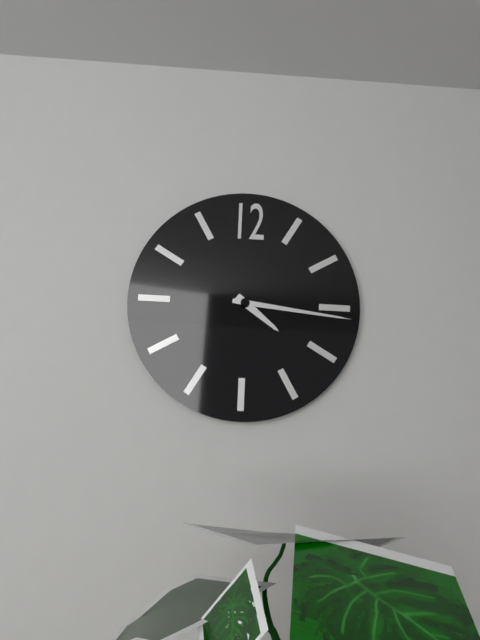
4 h 16 min
